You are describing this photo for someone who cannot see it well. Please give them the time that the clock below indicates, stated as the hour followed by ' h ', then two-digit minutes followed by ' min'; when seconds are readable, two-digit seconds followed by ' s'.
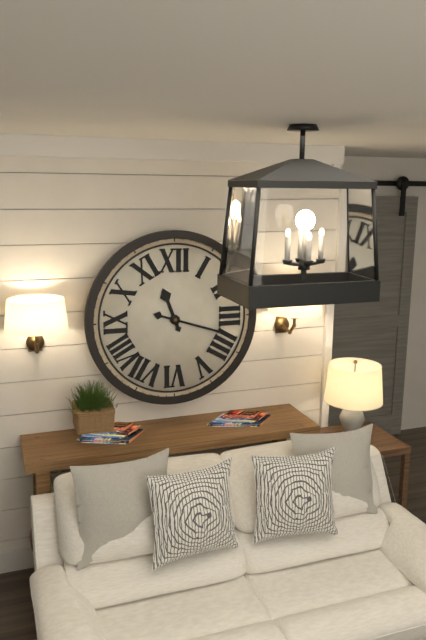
11 h 18 min
